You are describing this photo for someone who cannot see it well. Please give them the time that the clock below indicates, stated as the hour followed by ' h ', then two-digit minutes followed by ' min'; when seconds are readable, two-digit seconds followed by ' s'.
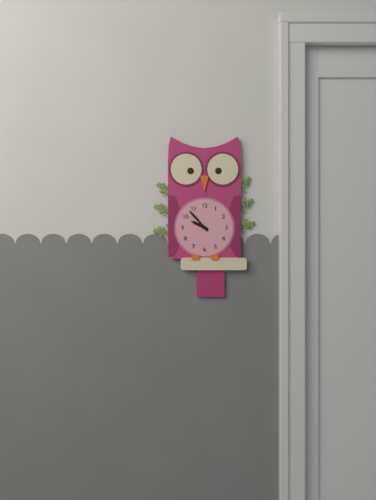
9 h 53 min
